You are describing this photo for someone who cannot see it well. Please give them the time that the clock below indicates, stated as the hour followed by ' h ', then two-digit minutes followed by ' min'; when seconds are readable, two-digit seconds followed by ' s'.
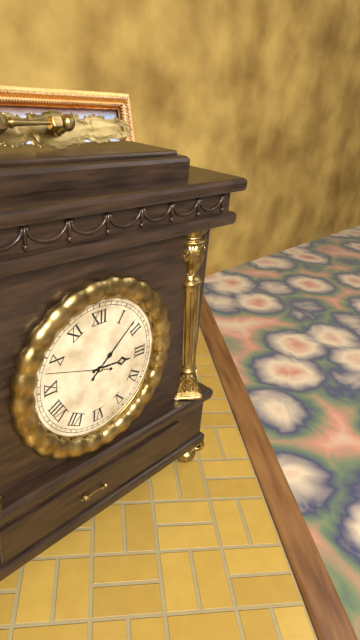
3 h 08 min 48 s
